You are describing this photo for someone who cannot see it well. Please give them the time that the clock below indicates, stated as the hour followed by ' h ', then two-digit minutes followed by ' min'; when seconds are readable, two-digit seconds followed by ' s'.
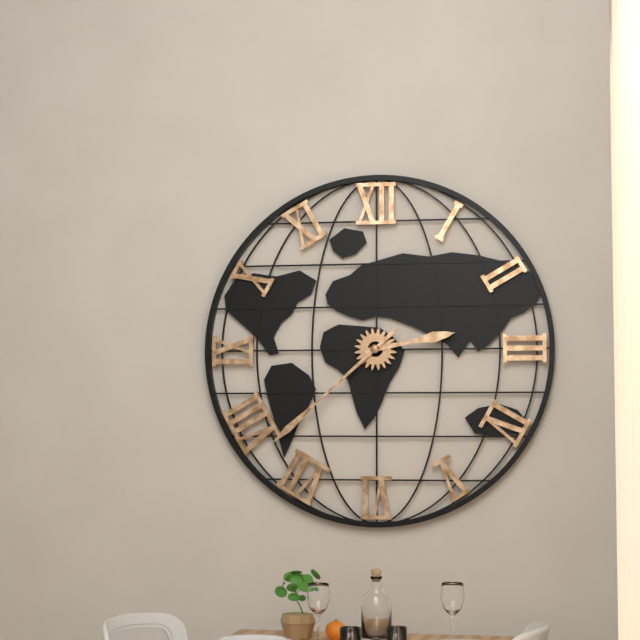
2 h 38 min
